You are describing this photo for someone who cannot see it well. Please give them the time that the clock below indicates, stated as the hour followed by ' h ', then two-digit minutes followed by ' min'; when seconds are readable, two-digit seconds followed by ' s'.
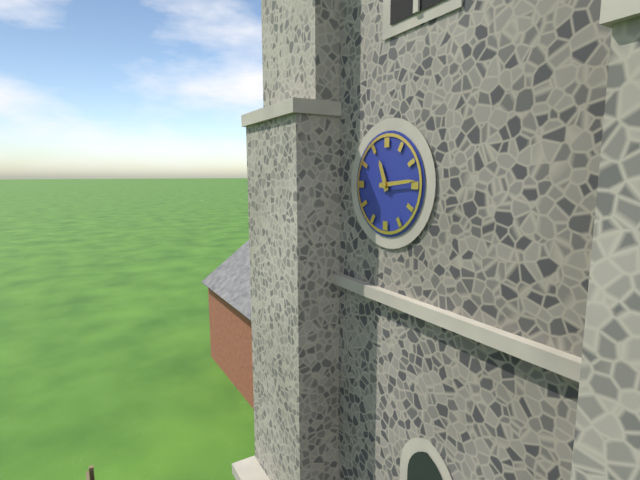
11 h 14 min
